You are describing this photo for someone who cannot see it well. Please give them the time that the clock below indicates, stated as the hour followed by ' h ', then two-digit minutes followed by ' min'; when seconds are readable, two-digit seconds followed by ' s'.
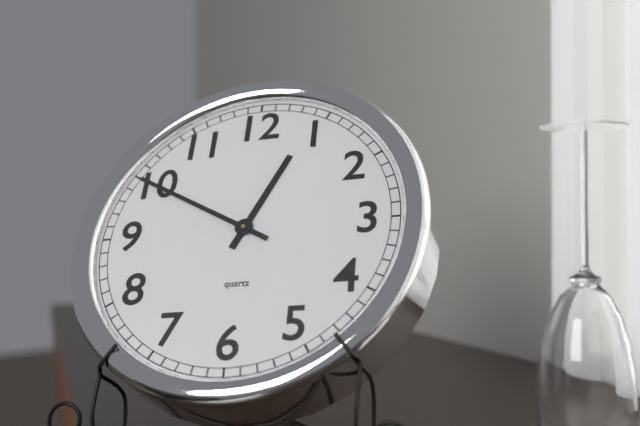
12 h 50 min
